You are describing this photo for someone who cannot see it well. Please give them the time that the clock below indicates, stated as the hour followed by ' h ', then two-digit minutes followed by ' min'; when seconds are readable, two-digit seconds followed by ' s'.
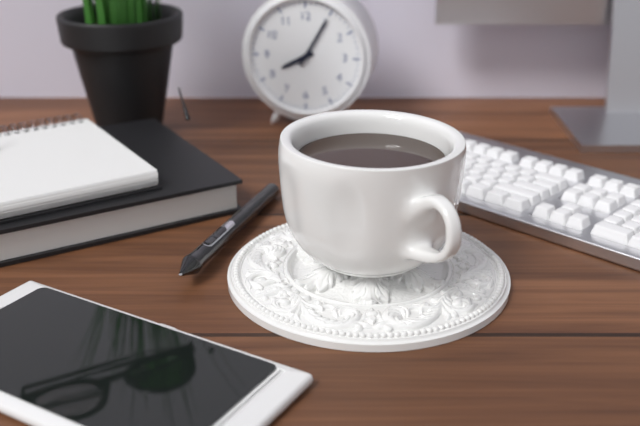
8 h 05 min
